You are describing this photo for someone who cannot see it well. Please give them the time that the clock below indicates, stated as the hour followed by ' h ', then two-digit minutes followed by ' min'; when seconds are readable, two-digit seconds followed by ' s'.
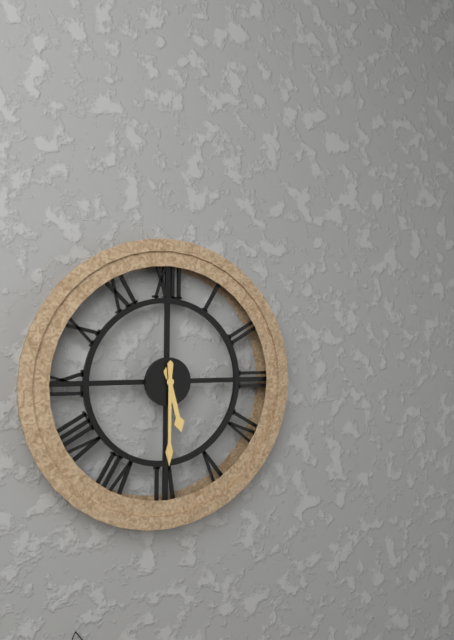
5 h 30 min
